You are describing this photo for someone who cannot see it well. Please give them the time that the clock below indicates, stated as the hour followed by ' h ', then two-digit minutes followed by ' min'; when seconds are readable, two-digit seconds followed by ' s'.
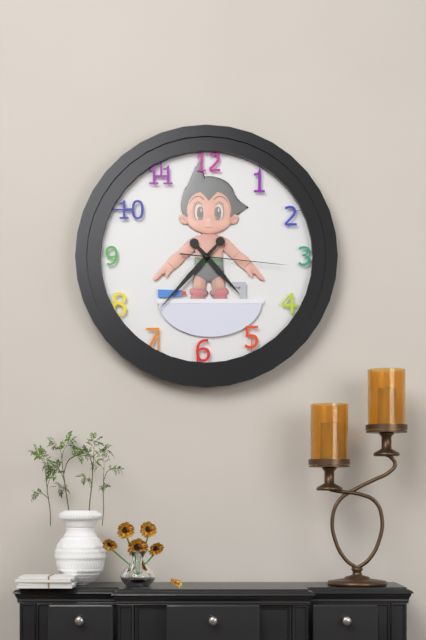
4 h 37 min 16 s
